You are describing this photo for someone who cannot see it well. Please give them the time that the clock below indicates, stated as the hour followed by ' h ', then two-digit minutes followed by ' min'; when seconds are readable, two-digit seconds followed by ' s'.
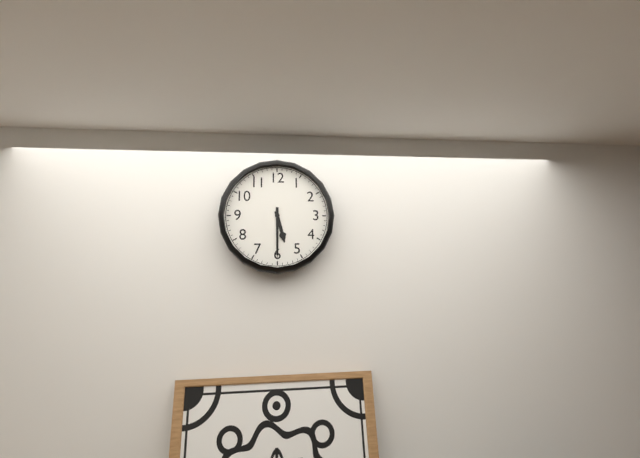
5 h 30 min
